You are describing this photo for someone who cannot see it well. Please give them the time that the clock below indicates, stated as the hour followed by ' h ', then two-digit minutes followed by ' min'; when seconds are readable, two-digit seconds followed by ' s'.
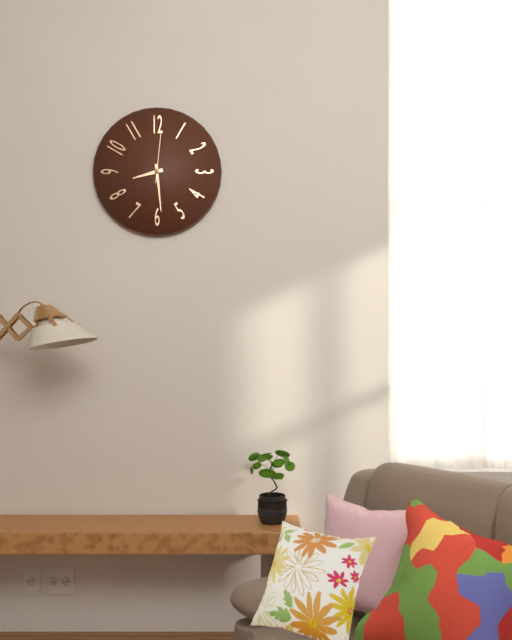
8 h 29 min 01 s
